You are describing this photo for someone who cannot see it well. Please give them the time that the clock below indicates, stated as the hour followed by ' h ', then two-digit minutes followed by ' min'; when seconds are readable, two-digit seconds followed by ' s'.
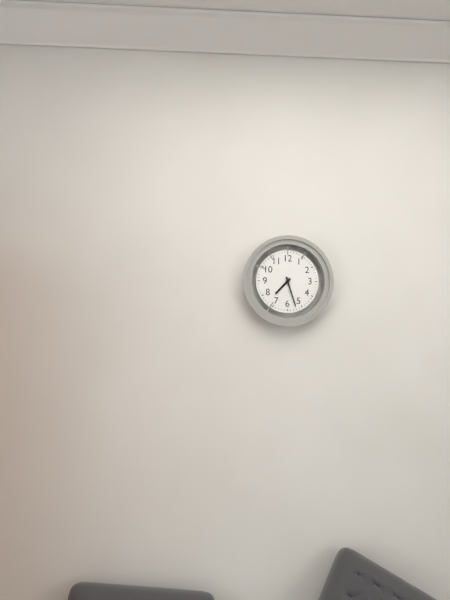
7 h 27 min
